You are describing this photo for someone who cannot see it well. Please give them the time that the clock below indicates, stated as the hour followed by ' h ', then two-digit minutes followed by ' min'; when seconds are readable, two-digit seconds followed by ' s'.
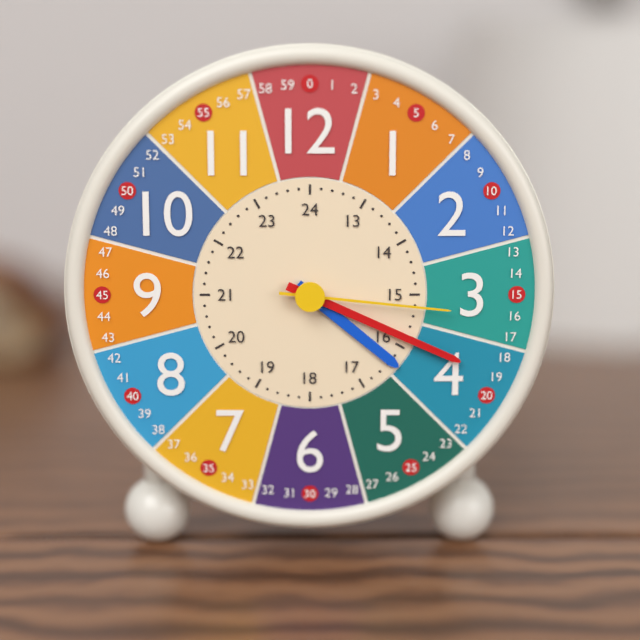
4 h 19 min 16 s
